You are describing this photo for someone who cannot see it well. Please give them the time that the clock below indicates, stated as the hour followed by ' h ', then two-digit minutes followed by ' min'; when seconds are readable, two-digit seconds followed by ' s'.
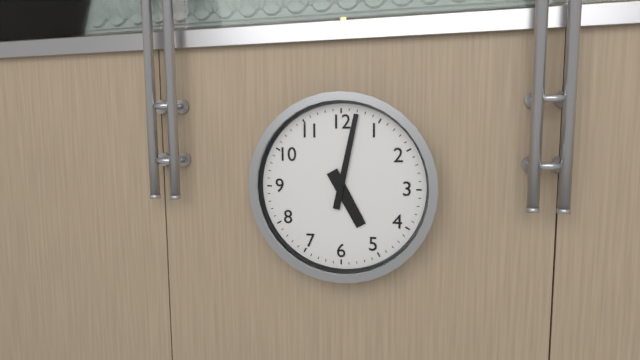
5 h 02 min
